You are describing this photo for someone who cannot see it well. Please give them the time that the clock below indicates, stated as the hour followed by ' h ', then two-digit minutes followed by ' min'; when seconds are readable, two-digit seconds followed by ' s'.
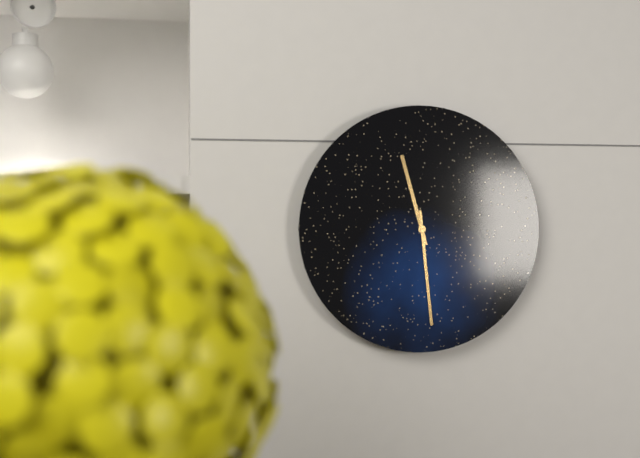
11 h 29 min
